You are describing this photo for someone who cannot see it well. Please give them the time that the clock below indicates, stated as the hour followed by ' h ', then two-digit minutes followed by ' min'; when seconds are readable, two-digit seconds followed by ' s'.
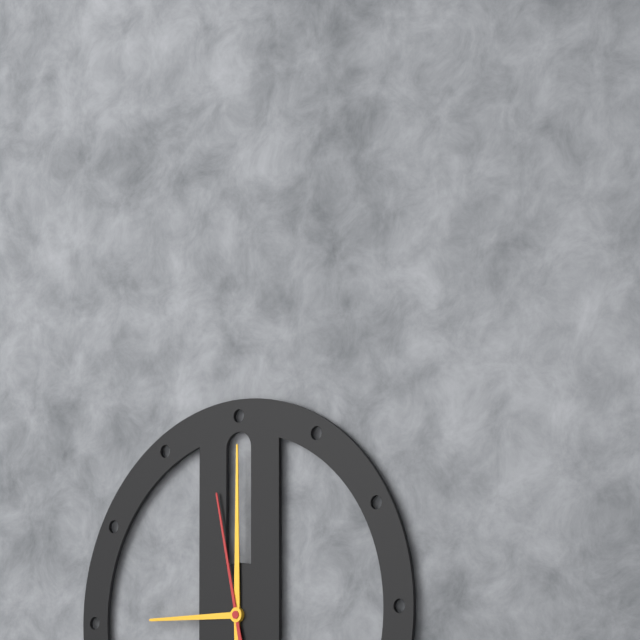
9 h 00 min 58 s
